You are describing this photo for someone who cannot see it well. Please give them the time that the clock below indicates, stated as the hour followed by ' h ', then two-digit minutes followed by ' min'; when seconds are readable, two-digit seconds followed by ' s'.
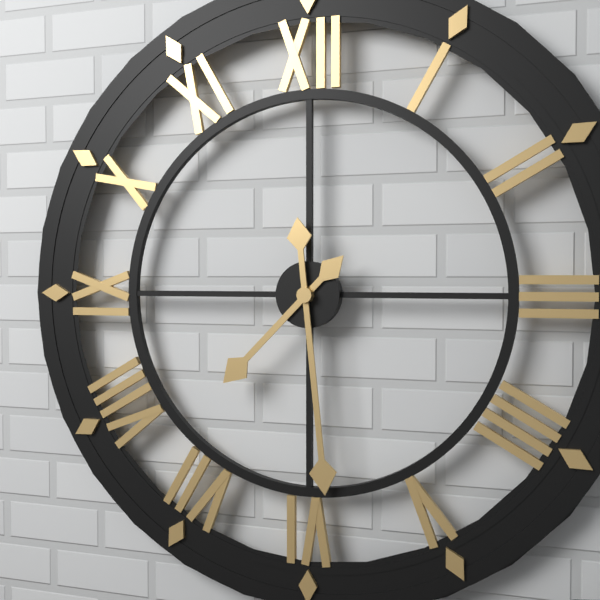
7 h 29 min
